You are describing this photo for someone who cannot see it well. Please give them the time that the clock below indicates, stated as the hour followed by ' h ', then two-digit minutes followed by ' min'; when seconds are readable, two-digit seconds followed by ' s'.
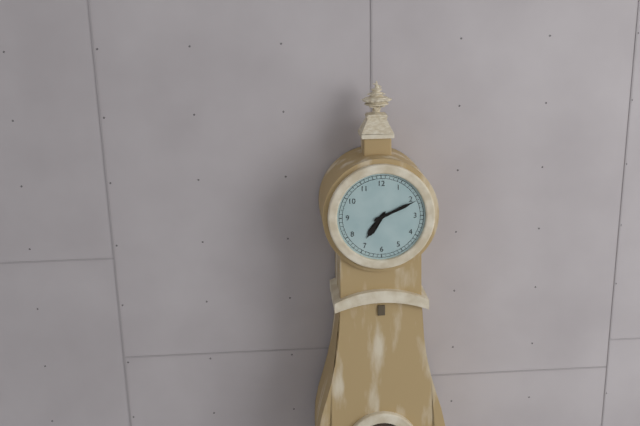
7 h 11 min
